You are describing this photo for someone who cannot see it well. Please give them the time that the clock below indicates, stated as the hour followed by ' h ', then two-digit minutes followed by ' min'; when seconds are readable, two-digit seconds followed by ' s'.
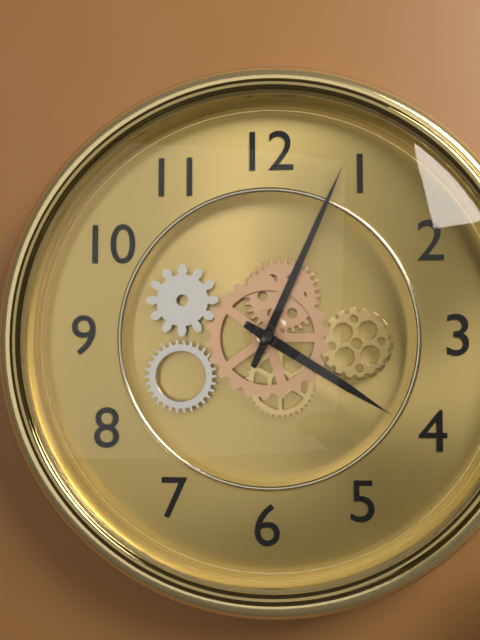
4 h 04 min
